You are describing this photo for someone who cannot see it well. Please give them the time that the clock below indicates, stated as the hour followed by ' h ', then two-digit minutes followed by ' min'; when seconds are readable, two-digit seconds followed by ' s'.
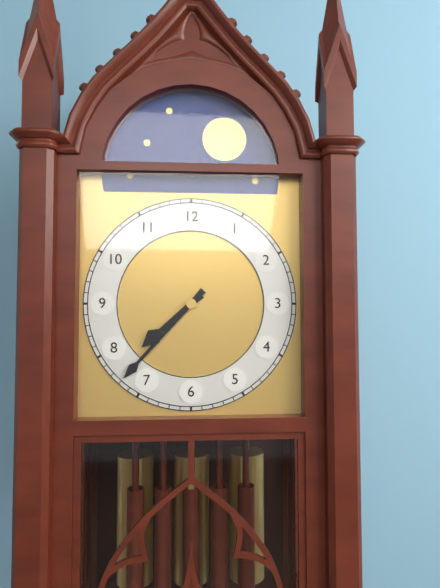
7 h 37 min
